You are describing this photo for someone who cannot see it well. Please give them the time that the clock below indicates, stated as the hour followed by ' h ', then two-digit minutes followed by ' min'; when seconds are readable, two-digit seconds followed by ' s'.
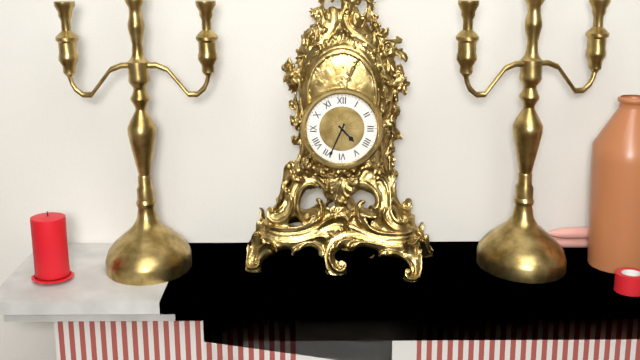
4 h 34 min
